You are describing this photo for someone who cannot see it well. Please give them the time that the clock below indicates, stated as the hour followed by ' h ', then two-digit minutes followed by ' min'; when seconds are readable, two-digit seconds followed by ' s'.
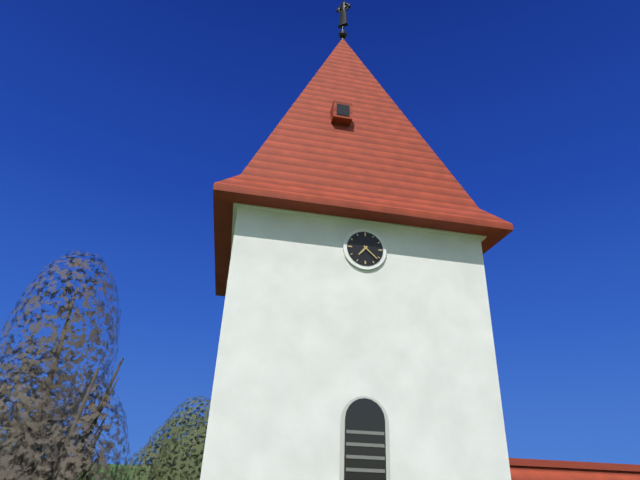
7 h 22 min
